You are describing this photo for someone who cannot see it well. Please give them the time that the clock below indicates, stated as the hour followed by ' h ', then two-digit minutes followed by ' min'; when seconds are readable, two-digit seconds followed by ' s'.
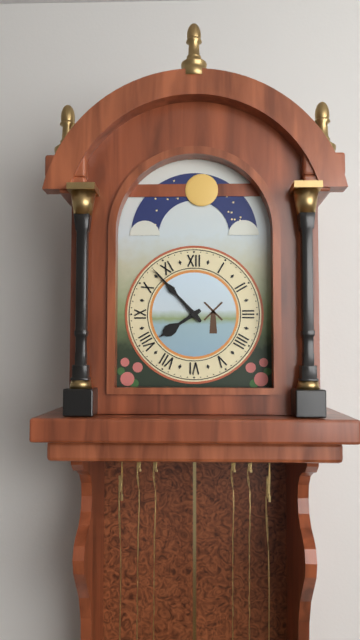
7 h 53 min
